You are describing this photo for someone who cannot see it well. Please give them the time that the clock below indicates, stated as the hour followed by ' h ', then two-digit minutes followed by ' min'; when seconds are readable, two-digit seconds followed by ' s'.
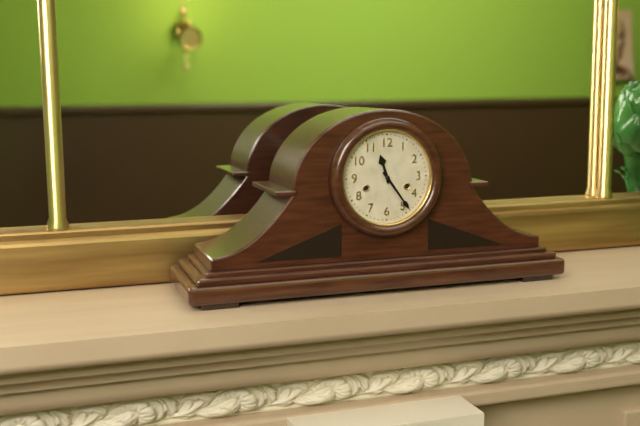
11 h 24 min
